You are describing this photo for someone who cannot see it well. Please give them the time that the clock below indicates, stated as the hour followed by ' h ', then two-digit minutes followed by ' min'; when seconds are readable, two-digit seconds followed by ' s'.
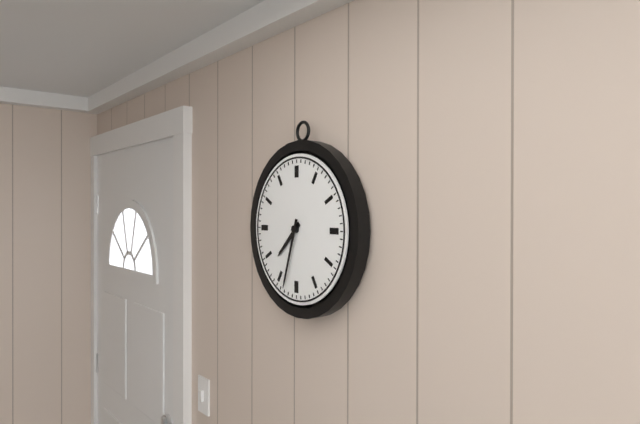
7 h 33 min
